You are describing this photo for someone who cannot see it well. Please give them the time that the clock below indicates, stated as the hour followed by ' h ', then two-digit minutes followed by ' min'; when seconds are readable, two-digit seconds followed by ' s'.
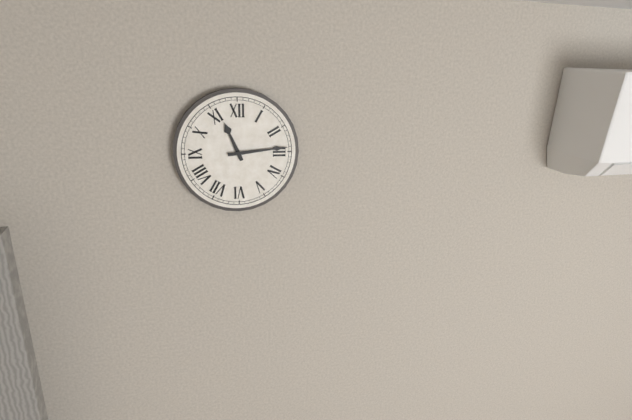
11 h 14 min
